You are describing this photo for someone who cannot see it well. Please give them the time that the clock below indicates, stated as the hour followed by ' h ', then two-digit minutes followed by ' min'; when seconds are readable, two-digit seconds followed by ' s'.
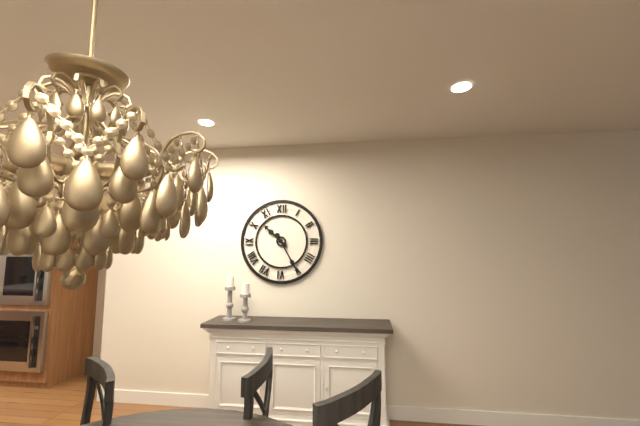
10 h 25 min
